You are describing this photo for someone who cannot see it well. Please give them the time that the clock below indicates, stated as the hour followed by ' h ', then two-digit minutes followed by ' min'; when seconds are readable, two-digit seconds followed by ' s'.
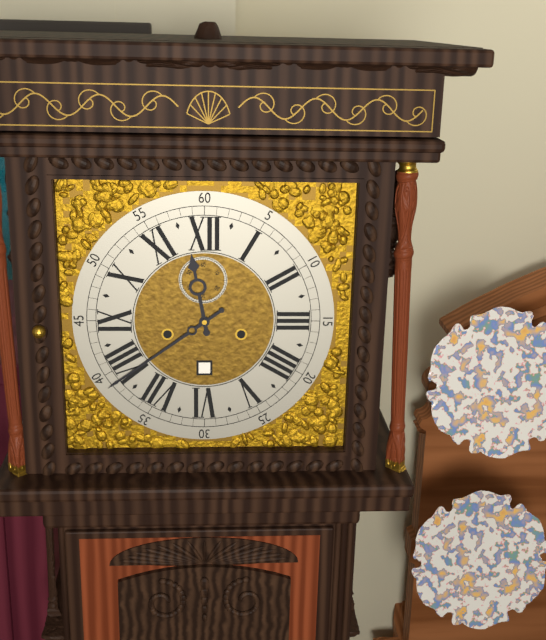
11 h 39 min
